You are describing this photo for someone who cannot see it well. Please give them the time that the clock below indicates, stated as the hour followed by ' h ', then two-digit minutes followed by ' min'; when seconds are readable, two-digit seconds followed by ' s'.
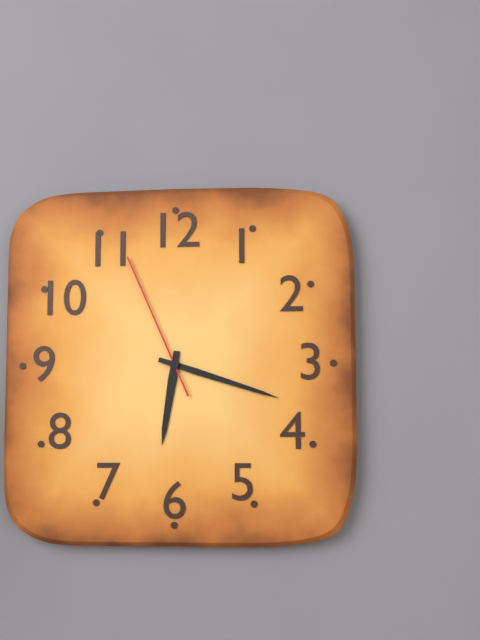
6 h 18 min 56 s
